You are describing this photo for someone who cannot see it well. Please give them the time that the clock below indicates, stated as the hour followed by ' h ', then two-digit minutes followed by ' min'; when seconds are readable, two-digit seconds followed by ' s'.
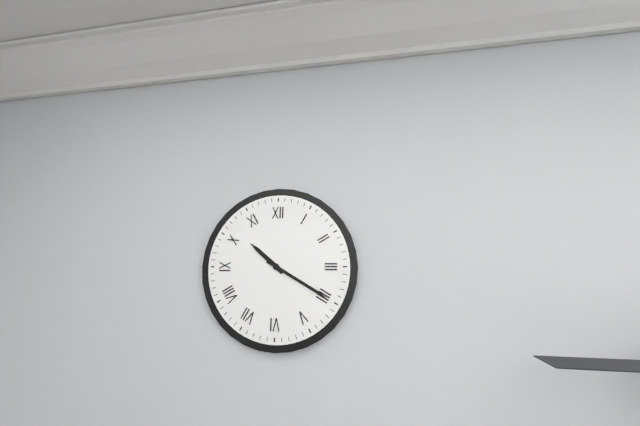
10 h 20 min
